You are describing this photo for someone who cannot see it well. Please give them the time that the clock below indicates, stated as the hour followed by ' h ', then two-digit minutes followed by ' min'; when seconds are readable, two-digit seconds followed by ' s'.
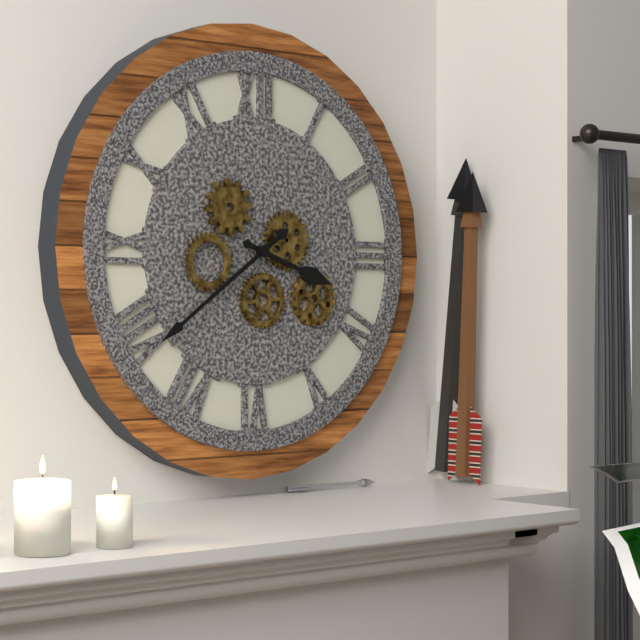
3 h 39 min
